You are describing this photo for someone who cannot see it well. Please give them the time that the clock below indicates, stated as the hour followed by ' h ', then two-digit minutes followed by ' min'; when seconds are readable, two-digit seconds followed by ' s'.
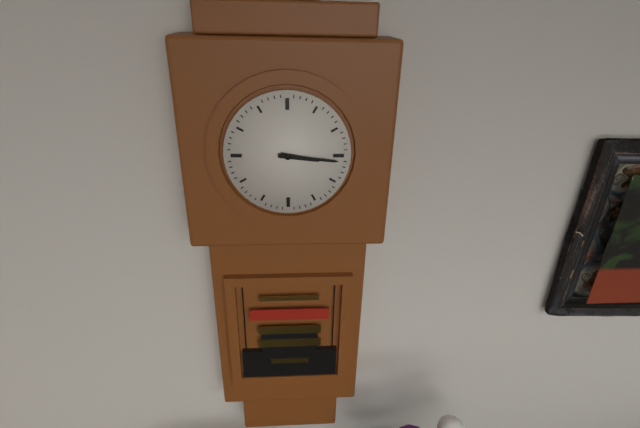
3 h 16 min
